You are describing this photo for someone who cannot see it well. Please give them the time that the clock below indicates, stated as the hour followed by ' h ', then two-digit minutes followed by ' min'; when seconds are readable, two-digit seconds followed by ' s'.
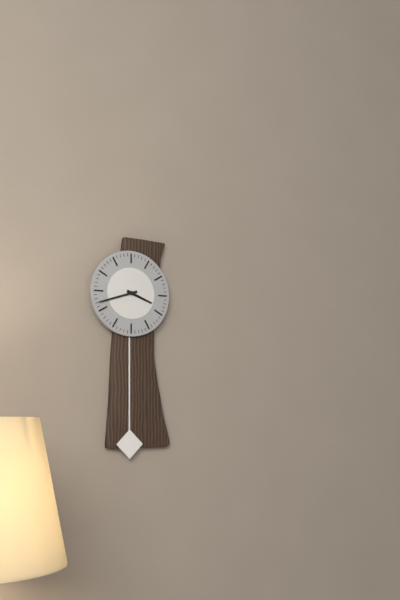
3 h 42 min
